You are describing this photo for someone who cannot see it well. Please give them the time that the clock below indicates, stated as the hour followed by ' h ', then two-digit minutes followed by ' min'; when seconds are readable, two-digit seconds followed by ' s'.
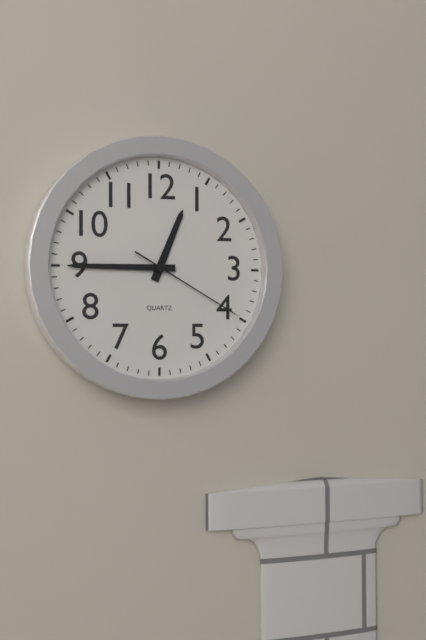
12 h 45 min 20 s
